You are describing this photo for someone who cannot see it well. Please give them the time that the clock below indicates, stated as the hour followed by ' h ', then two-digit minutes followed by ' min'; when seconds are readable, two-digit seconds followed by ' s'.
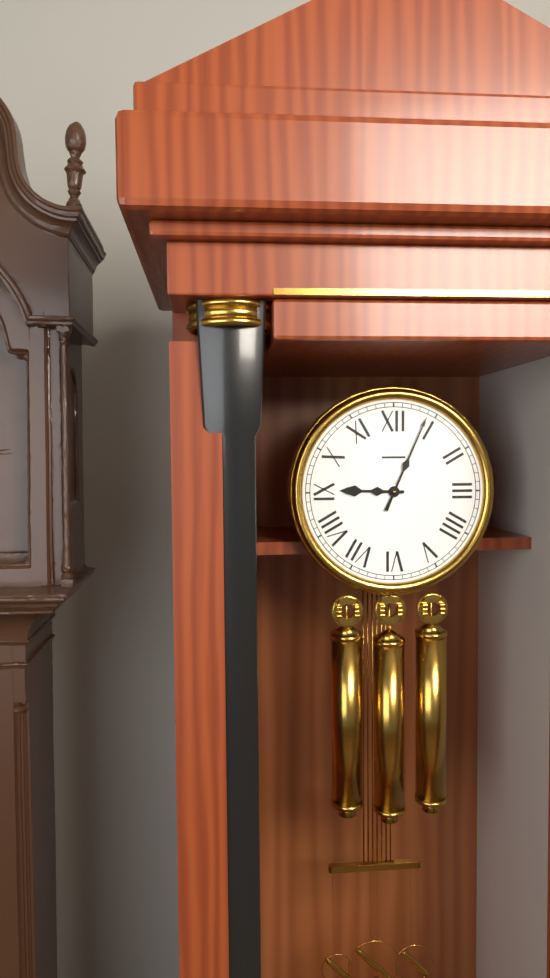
9 h 04 min
